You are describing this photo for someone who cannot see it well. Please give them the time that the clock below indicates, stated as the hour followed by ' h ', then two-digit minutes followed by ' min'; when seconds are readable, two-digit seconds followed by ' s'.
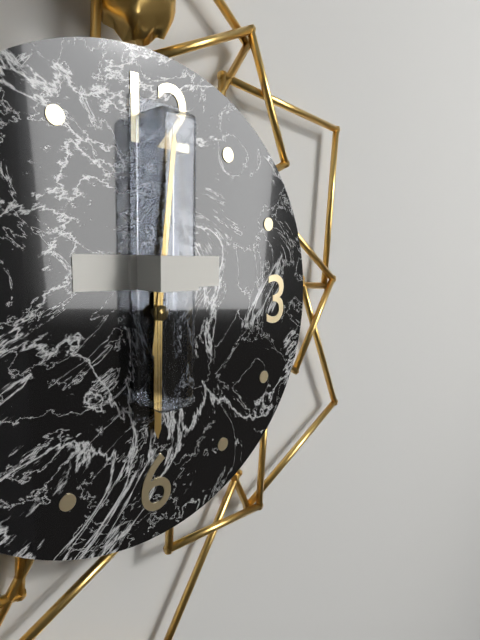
6 h 01 min
